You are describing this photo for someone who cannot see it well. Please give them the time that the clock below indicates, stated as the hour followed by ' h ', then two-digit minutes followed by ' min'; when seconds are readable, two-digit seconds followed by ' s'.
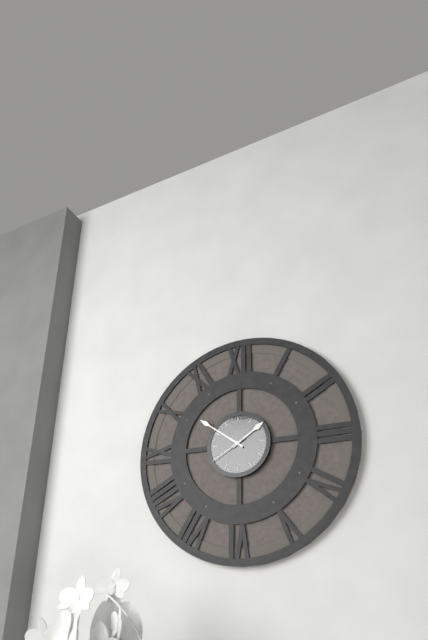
1 h 51 min
